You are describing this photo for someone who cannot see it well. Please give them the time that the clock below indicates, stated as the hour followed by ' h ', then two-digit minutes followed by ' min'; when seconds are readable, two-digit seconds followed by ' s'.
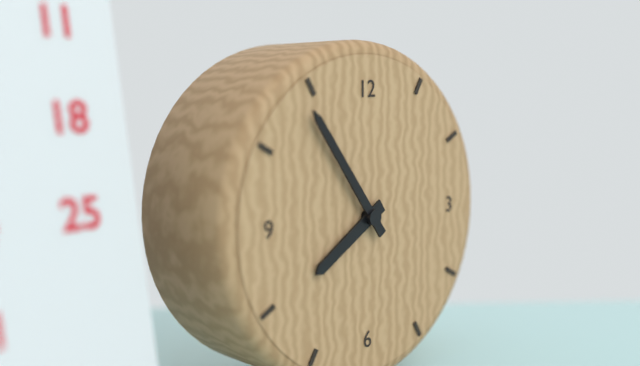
7 h 54 min
